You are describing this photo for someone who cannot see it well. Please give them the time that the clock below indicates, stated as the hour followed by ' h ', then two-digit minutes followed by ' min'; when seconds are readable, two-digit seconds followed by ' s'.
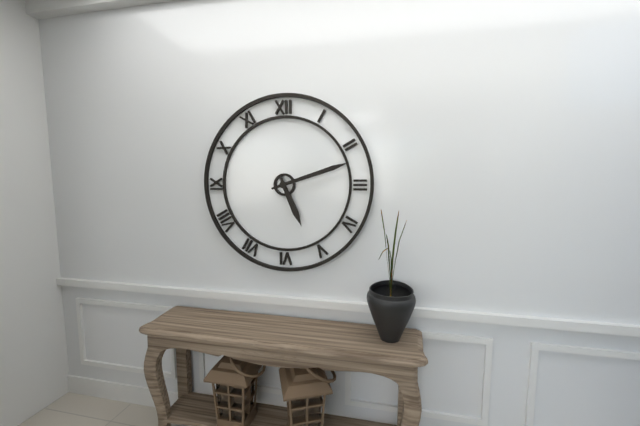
5 h 12 min
